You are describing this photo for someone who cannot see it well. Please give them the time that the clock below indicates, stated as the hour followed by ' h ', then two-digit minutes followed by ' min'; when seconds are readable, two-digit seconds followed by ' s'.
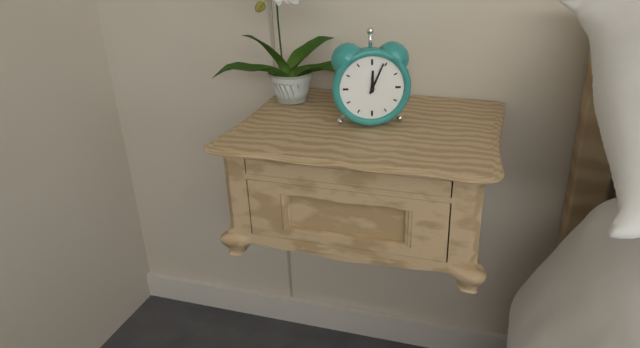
12 h 04 min
